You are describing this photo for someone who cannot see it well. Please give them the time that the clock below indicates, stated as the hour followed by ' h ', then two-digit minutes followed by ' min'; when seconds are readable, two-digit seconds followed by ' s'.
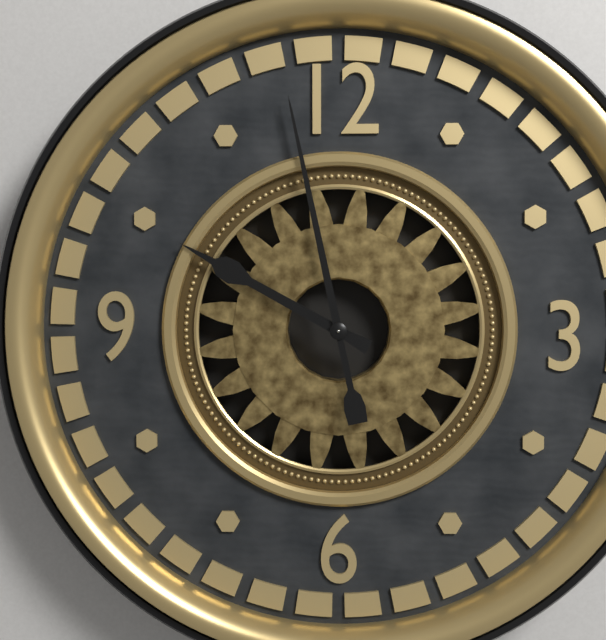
9 h 58 min
